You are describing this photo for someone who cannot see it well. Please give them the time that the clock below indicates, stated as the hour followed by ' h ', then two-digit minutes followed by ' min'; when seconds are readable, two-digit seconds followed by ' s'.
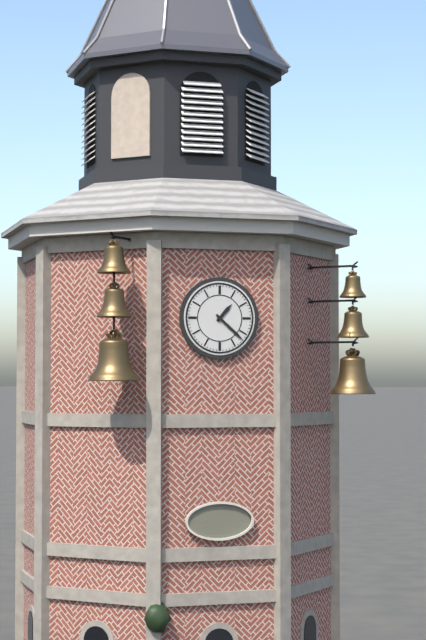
1 h 22 min
